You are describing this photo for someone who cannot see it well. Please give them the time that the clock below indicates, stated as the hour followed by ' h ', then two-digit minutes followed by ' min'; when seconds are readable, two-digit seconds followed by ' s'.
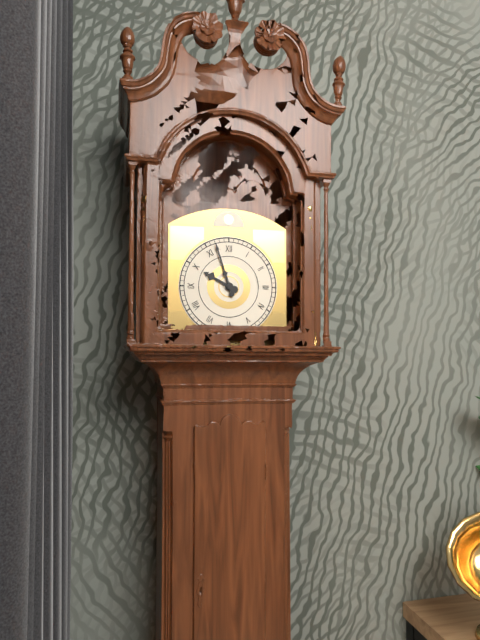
9 h 57 min
